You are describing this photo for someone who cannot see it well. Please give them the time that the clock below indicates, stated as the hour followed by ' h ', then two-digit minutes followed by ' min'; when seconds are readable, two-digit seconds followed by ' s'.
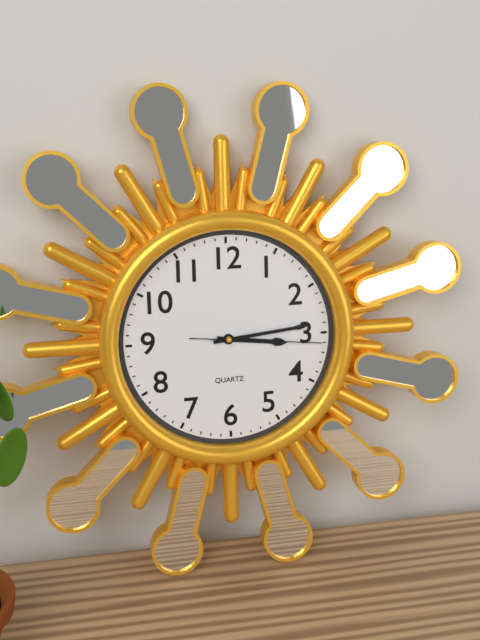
3 h 14 min 16 s
